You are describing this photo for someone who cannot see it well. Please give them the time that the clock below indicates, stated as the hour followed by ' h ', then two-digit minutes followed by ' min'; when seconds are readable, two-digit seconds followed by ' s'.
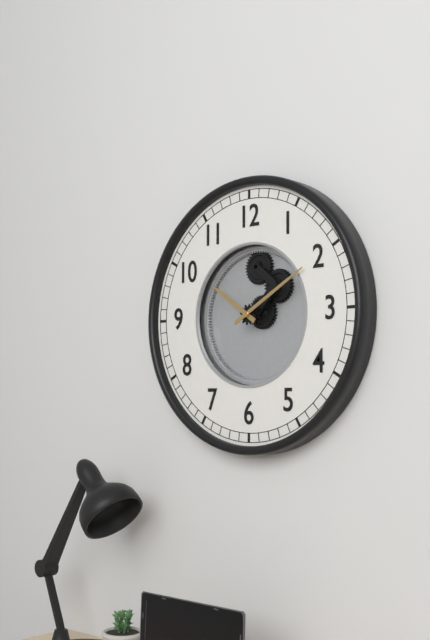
10 h 10 min
